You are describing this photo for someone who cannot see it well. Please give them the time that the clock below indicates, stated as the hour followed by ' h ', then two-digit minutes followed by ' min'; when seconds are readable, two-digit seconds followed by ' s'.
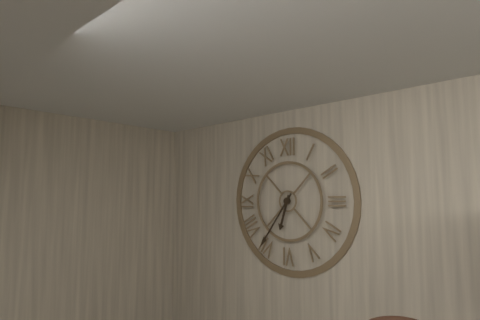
6 h 36 min
